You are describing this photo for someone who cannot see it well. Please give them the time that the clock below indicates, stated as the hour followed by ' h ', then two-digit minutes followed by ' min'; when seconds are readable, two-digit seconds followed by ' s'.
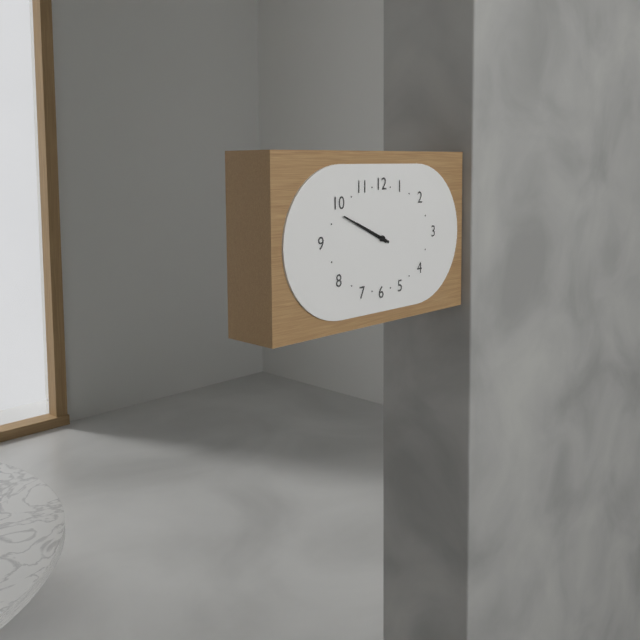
9 h 49 min
